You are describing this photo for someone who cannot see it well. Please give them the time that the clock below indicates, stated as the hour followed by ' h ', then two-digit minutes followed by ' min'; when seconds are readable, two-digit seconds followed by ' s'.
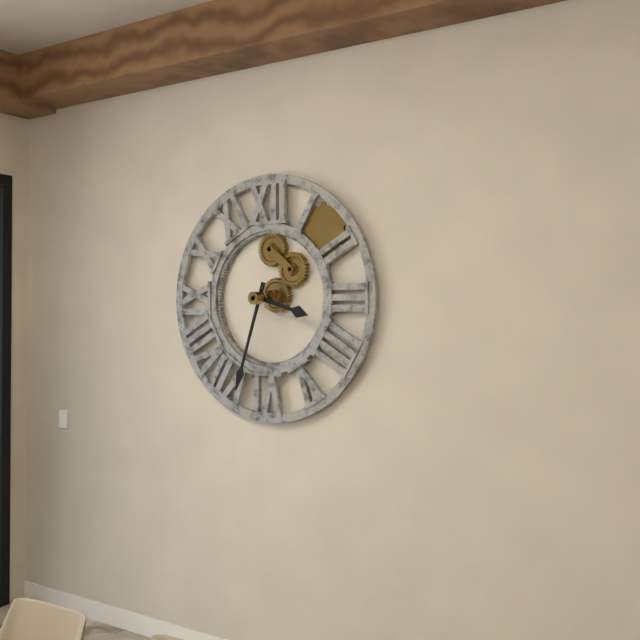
3 h 33 min
